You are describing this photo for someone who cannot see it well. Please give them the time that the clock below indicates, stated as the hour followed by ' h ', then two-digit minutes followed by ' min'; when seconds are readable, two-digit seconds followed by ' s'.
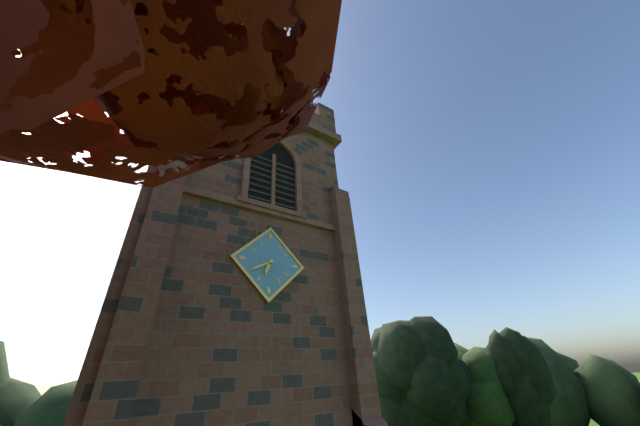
6 h 40 min
